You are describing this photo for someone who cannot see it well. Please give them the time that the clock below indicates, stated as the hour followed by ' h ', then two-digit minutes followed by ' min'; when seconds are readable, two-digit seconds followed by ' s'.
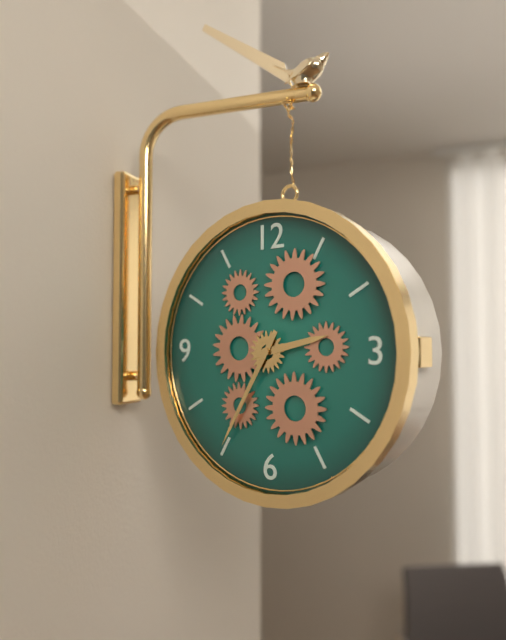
2 h 35 min
